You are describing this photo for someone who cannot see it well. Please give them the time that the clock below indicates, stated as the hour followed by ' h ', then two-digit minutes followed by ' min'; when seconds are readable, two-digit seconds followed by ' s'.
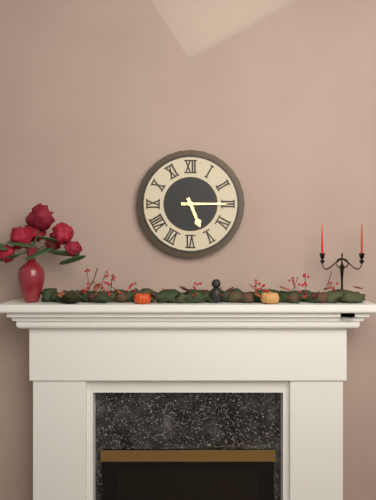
5 h 15 min
